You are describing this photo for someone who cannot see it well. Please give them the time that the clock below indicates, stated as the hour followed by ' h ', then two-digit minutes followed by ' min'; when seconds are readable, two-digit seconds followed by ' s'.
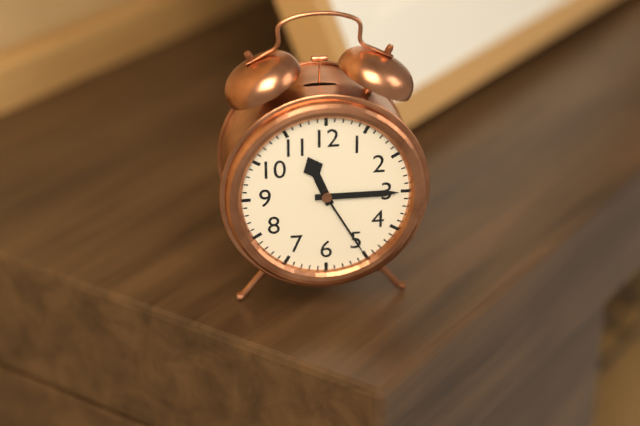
11 h 15 min 25 s
